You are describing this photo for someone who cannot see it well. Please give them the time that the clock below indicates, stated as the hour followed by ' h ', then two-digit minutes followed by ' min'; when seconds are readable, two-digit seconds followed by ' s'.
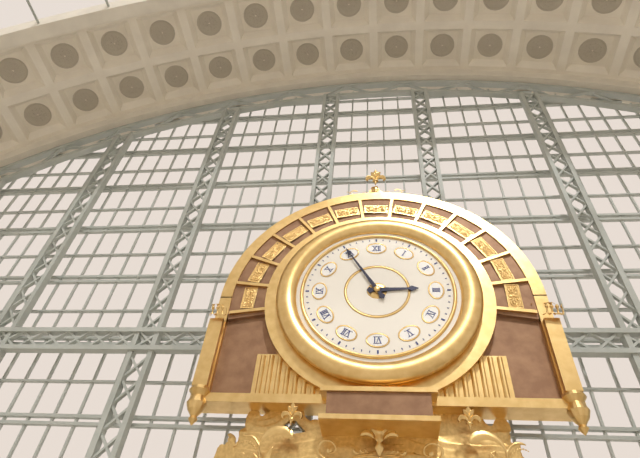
2 h 55 min
